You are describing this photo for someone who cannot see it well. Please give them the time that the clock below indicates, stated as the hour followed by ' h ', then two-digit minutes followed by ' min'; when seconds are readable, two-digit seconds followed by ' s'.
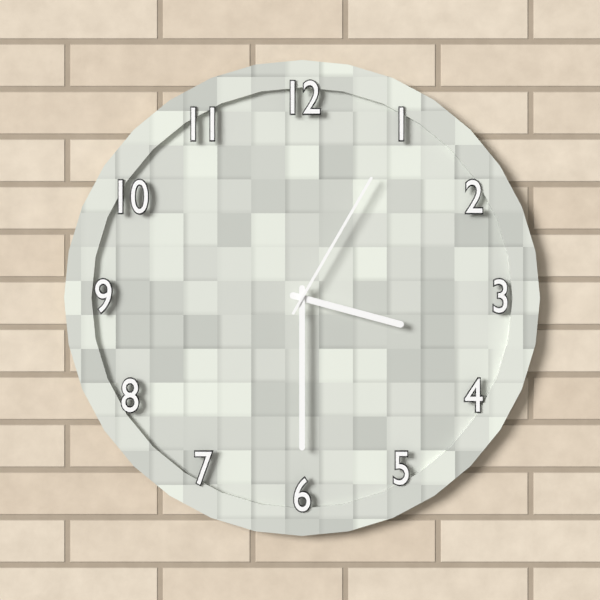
3 h 30 min 05 s
